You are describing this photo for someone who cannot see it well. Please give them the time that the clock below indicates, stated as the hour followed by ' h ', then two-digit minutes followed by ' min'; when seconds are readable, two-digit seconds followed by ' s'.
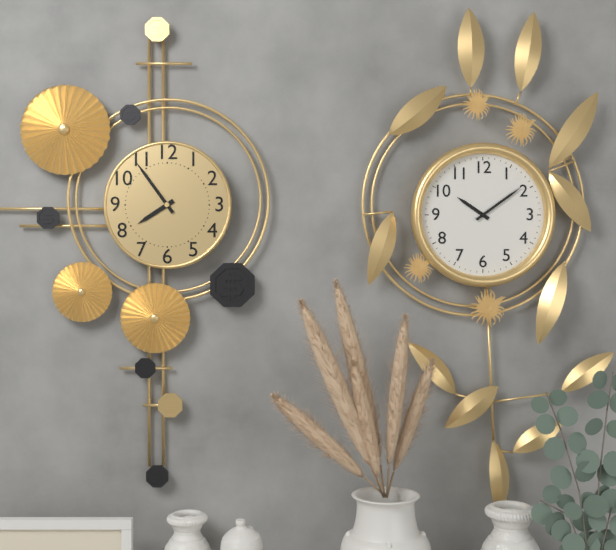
7 h 54 min
